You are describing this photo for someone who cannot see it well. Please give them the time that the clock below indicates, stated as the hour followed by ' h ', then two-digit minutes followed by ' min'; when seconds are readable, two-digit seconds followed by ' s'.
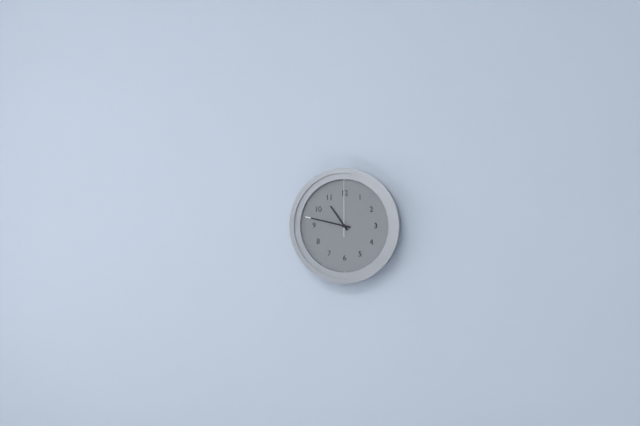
10 h 47 min 00 s
